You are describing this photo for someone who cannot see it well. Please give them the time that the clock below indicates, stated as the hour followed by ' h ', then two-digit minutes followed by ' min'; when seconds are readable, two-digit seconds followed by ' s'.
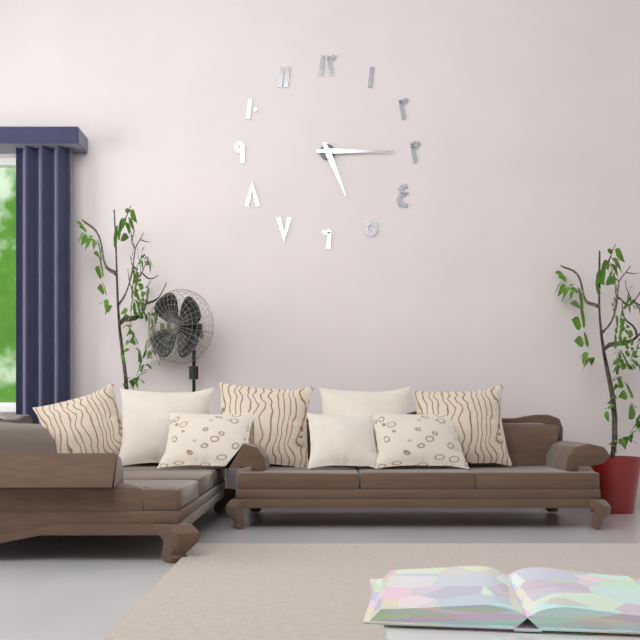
5 h 15 min
